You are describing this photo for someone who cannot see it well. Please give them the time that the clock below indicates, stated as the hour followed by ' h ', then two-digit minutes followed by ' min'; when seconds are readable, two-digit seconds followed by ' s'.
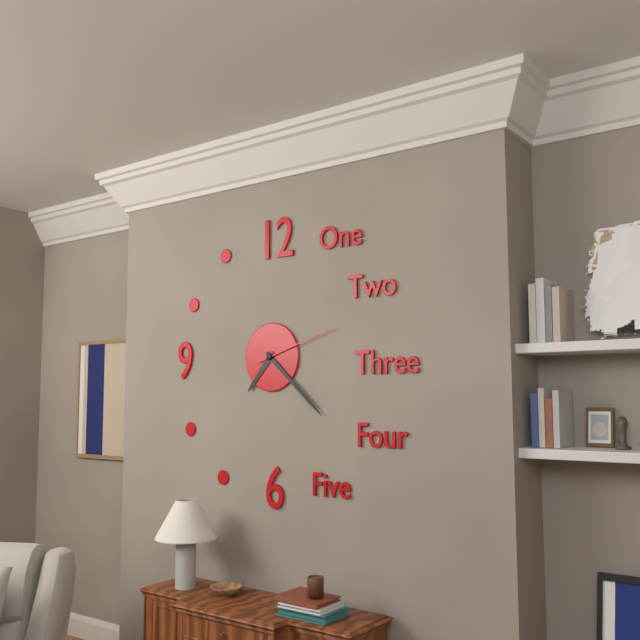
7 h 22 min 12 s
